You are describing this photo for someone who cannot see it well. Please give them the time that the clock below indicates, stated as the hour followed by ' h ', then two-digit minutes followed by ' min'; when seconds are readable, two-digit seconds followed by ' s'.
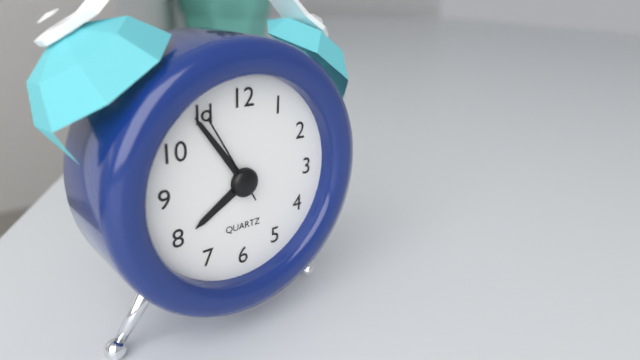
7 h 54 min 55 s
